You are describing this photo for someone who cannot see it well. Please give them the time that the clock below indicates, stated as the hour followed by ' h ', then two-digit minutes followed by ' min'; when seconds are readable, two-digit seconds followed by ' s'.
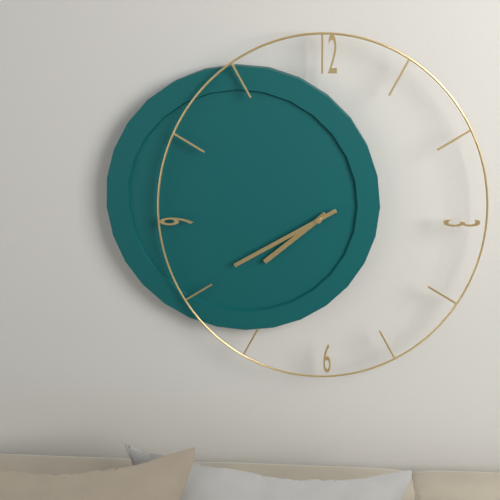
7 h 40 min
